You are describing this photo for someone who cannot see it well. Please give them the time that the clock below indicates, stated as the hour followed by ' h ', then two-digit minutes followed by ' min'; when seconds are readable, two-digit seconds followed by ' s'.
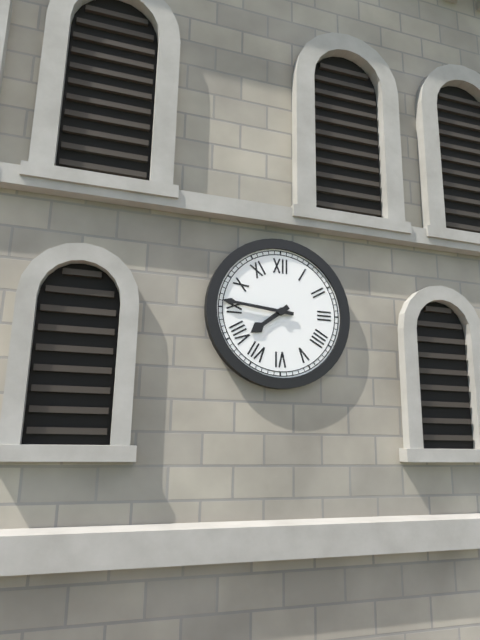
7 h 46 min
